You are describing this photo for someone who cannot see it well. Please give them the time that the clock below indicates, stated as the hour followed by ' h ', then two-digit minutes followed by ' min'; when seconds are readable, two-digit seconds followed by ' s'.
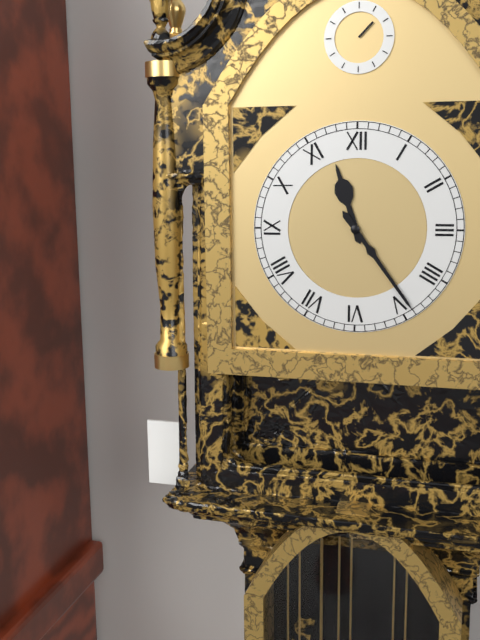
11 h 24 min
